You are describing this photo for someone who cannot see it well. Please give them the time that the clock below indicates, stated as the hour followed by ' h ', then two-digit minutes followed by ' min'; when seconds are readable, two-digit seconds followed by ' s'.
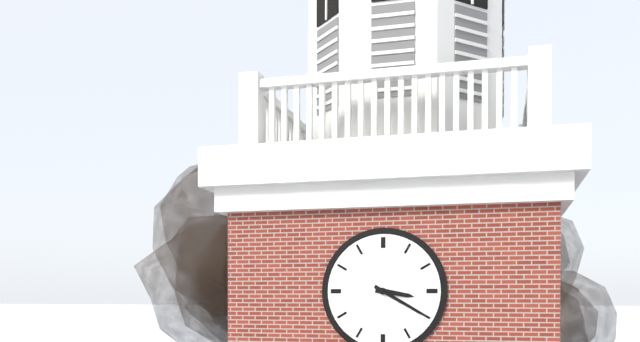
3 h 20 min
